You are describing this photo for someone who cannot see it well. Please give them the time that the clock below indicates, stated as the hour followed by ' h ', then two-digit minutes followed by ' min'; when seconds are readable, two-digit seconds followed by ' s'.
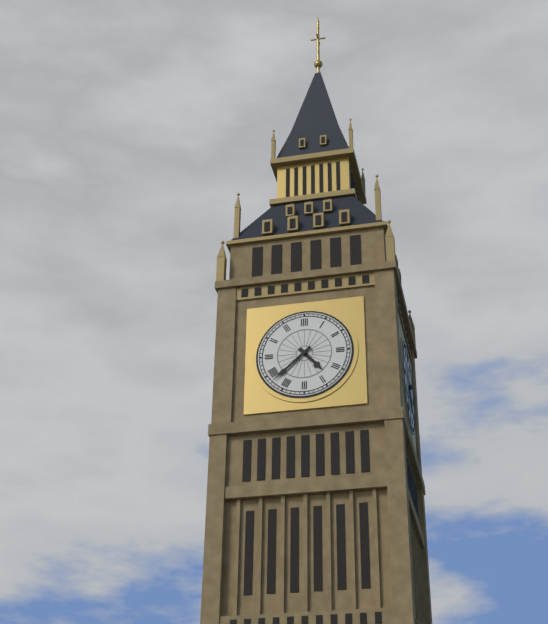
4 h 38 min
